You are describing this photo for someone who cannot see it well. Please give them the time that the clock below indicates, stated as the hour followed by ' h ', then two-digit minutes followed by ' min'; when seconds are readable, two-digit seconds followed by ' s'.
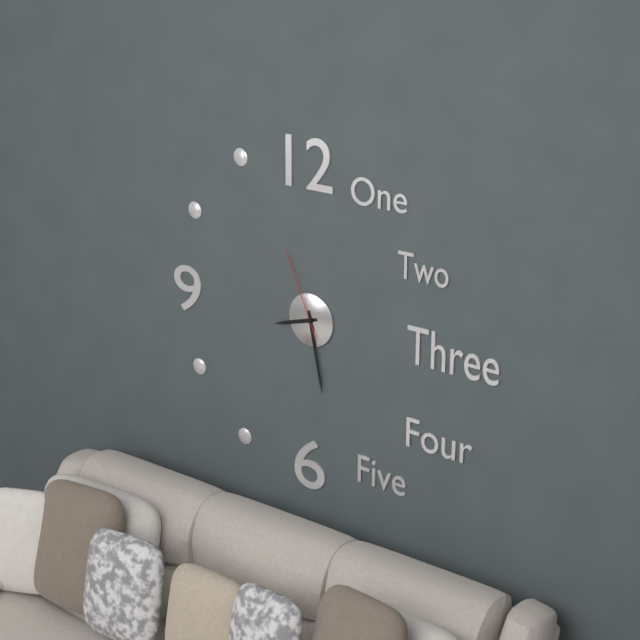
8 h 28 min 56 s
